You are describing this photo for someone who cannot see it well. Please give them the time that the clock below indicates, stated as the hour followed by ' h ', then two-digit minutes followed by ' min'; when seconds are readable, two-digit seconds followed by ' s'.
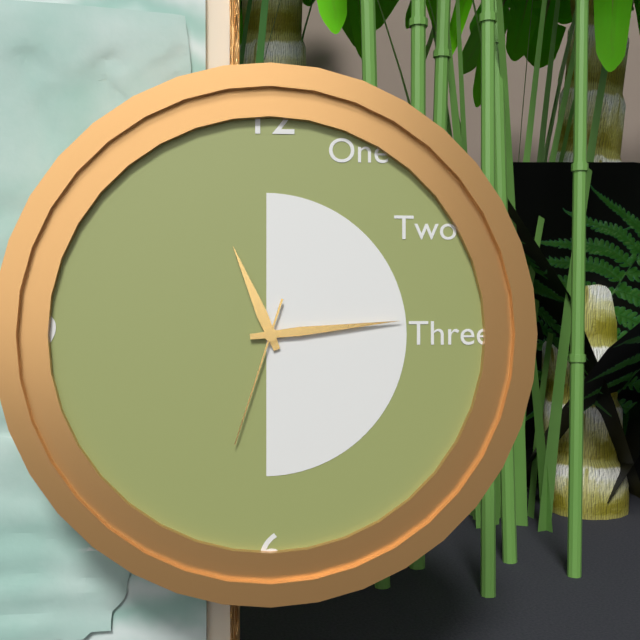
11 h 14 min 33 s
